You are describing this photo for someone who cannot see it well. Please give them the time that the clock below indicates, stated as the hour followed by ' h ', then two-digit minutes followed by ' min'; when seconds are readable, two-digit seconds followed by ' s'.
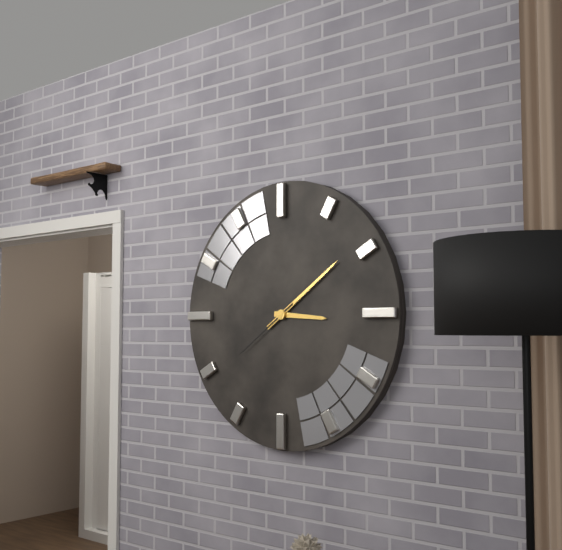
3 h 09 min 39 s
